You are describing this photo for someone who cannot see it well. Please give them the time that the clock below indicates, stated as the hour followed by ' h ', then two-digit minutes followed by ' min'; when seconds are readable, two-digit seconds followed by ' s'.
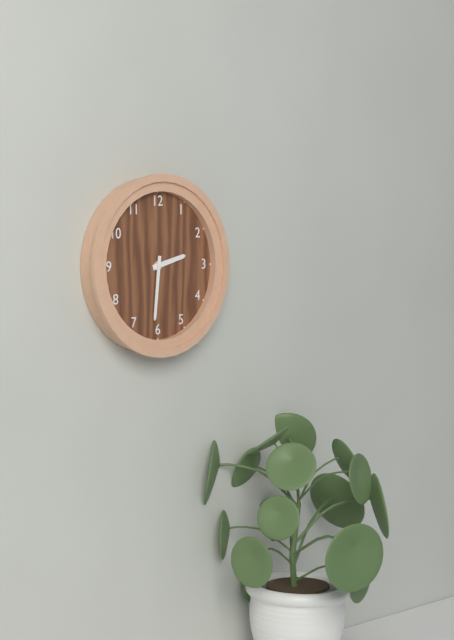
2 h 31 min
